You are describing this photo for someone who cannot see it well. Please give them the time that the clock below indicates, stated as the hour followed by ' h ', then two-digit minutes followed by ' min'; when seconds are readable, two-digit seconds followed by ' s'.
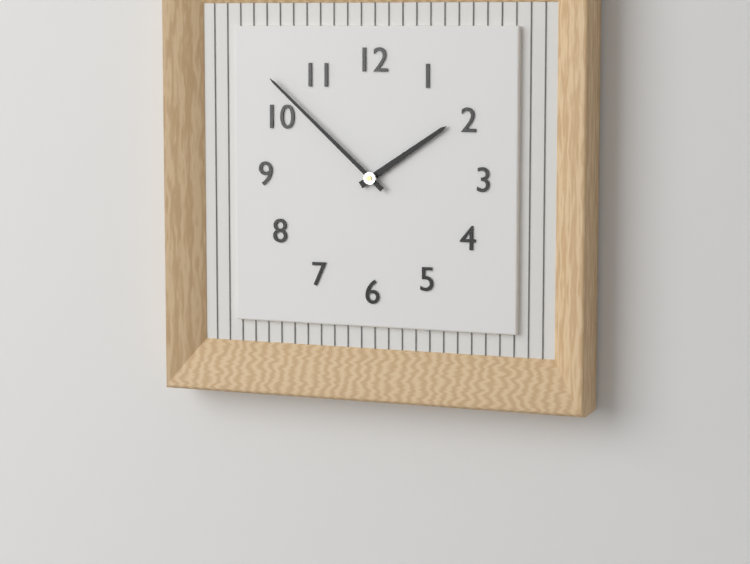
1 h 52 min
